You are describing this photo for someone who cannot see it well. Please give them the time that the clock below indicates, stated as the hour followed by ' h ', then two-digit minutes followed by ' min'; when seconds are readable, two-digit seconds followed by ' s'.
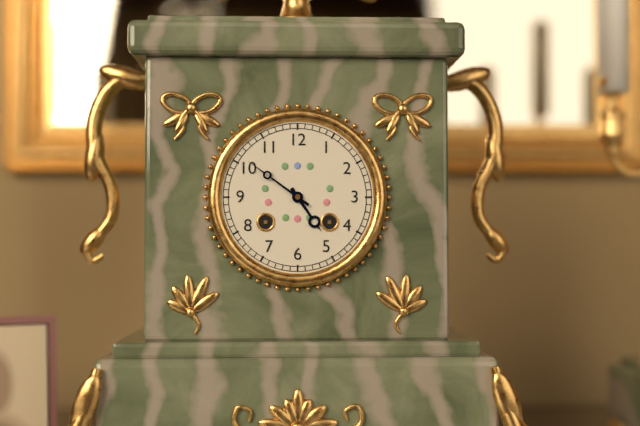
4 h 51 min
